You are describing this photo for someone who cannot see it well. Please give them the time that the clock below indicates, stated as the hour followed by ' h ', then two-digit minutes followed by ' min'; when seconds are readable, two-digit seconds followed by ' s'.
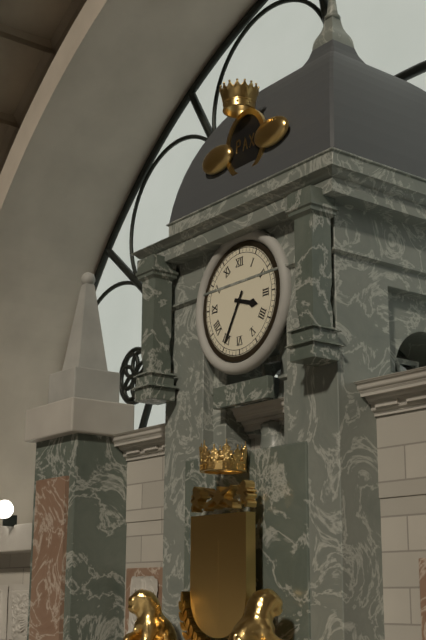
3 h 35 min
